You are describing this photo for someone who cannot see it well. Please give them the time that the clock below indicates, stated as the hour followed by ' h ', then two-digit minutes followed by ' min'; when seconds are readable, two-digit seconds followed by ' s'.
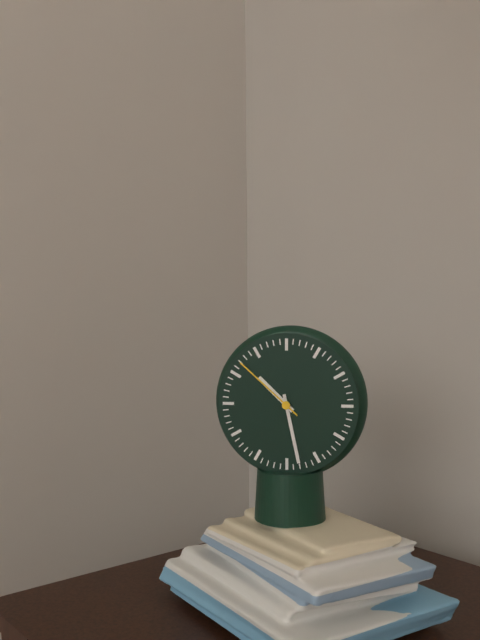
10 h 28 min 52 s
